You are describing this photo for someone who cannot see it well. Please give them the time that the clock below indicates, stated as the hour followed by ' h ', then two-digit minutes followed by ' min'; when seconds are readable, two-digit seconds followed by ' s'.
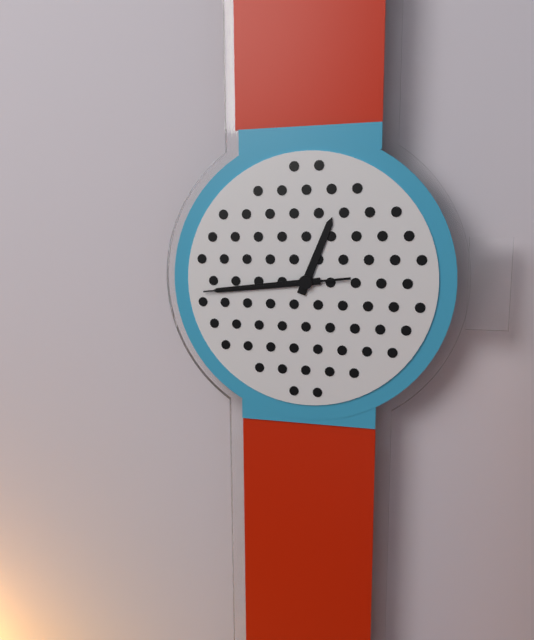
12 h 44 min 44 s
